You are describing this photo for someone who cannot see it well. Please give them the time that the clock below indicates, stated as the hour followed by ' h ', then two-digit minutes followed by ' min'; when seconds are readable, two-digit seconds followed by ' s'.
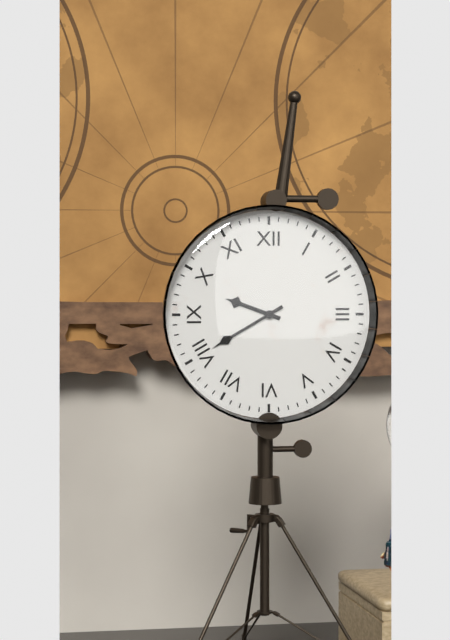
9 h 40 min
